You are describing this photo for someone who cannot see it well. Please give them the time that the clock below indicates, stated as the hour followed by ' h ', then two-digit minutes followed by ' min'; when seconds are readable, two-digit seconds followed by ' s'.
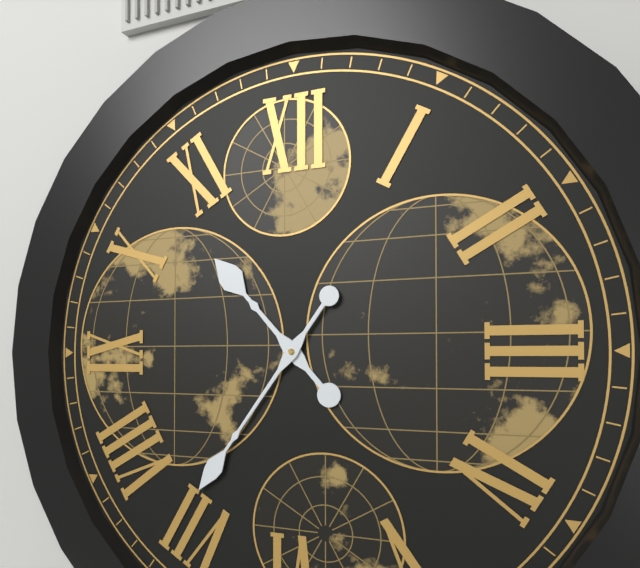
10 h 36 min
